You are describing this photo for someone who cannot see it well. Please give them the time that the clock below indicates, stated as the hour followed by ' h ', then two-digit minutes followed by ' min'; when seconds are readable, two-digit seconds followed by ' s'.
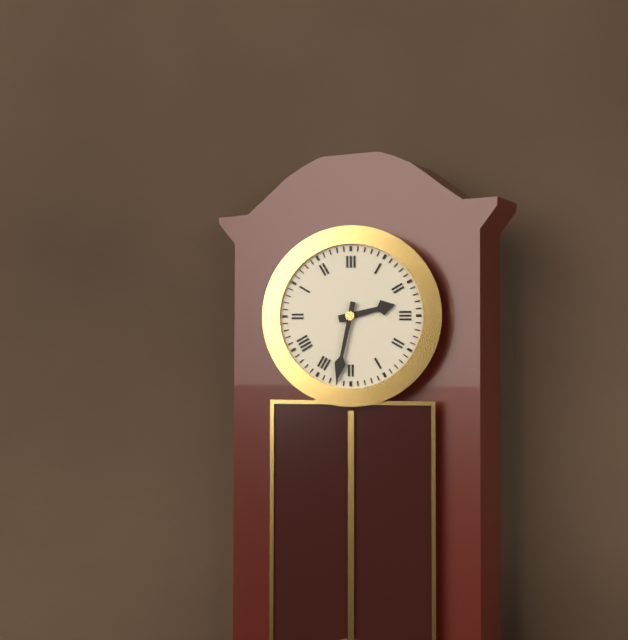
2 h 32 min
